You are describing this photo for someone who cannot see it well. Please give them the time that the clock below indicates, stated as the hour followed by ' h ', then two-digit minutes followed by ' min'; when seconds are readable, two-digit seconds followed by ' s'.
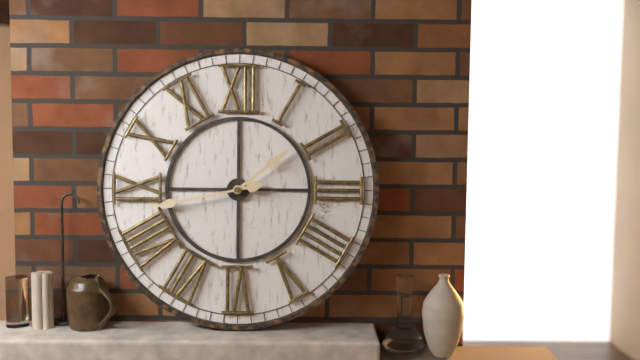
1 h 43 min
